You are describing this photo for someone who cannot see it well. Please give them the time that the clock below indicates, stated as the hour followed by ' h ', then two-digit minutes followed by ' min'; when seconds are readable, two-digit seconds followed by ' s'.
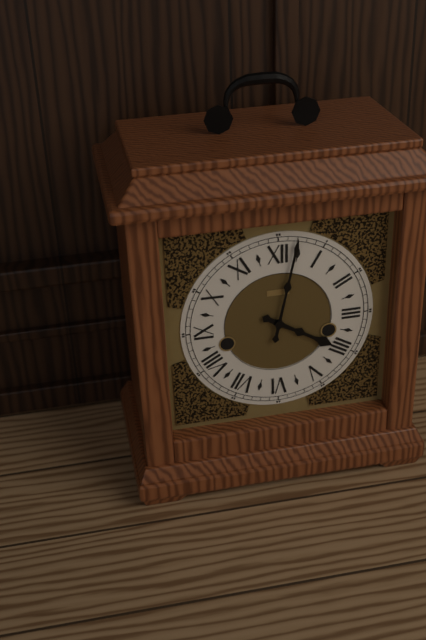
4 h 02 min
